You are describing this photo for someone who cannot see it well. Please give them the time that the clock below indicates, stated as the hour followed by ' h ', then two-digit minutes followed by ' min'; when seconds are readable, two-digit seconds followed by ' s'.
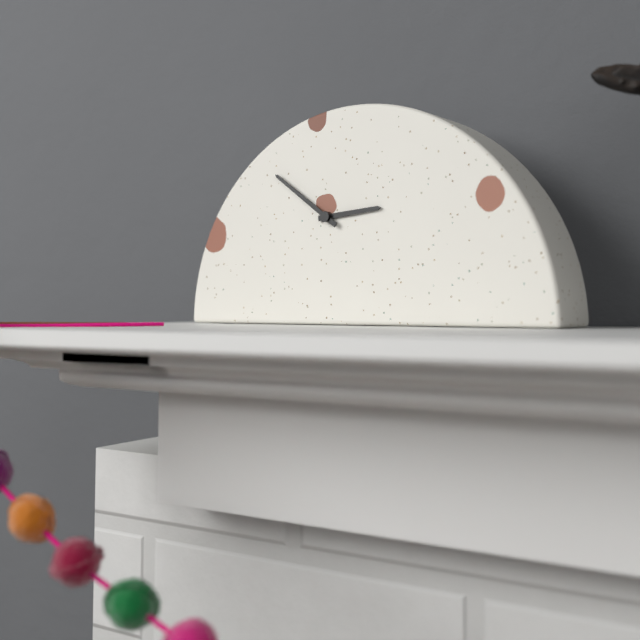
2 h 51 min
